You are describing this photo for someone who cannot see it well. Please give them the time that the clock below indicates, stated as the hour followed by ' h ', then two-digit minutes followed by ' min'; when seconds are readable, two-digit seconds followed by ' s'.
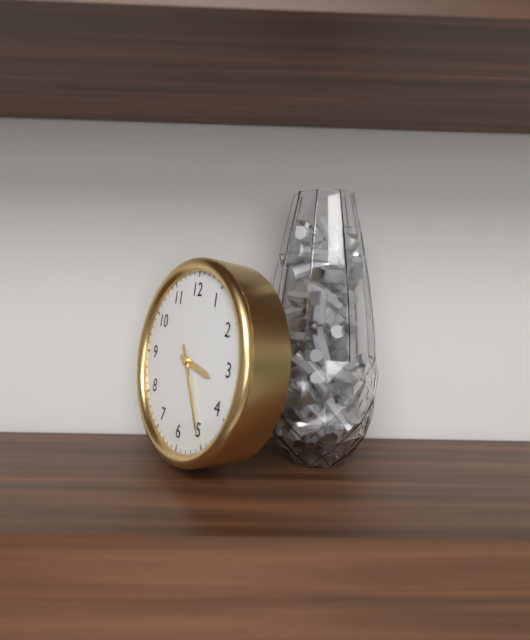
3 h 25 min
